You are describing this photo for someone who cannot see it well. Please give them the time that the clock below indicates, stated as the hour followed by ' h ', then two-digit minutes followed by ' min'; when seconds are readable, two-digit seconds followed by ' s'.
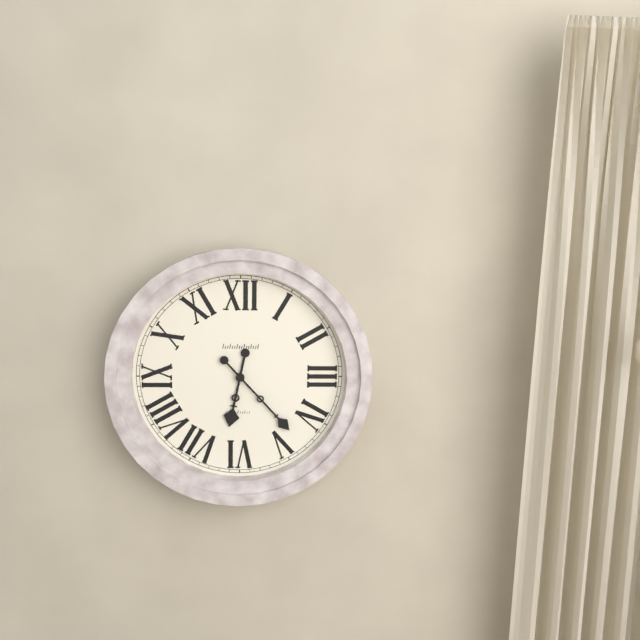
6 h 23 min
